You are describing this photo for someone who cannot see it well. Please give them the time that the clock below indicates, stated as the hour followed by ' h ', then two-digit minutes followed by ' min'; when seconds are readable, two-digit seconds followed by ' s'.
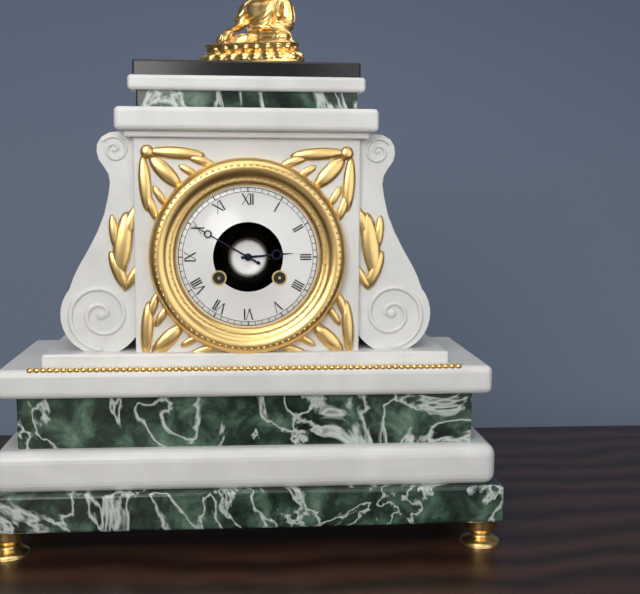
2 h 50 min
